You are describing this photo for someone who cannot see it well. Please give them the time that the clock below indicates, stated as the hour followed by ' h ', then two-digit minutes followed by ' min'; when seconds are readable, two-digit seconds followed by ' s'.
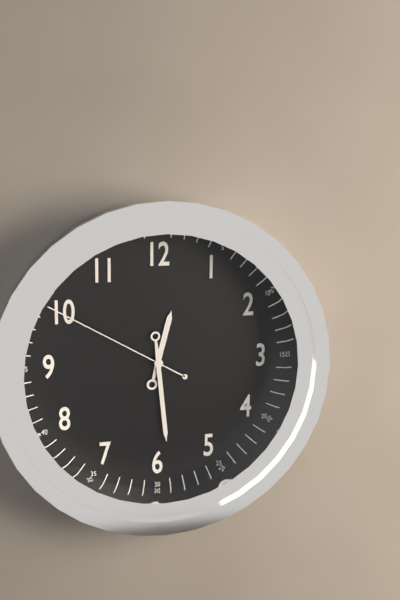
12 h 29 min 50 s
